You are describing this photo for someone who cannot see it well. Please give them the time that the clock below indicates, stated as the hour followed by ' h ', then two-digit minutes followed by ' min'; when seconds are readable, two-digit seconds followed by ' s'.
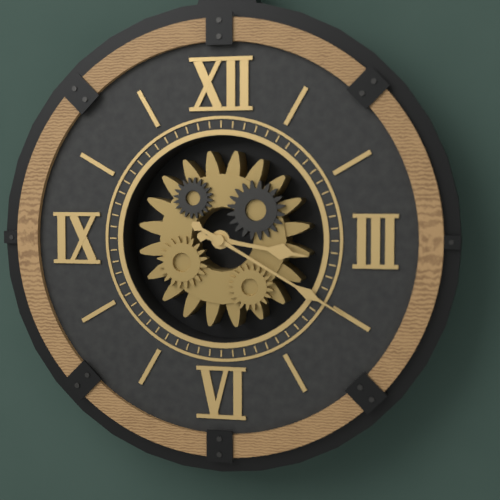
3 h 20 min
